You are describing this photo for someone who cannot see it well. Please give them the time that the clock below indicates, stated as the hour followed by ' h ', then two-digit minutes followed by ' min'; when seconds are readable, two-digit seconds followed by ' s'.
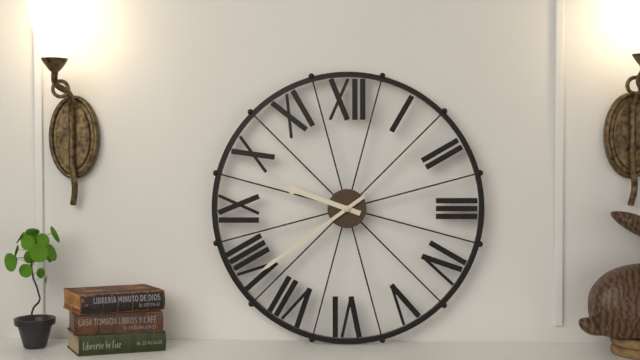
9 h 39 min
